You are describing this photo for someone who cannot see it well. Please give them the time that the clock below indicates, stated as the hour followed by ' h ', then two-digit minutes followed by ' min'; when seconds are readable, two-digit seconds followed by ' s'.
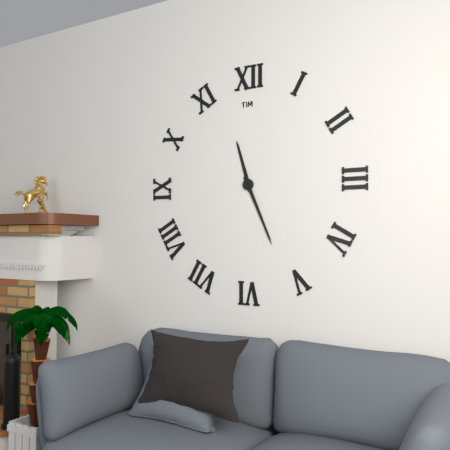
11 h 26 min
